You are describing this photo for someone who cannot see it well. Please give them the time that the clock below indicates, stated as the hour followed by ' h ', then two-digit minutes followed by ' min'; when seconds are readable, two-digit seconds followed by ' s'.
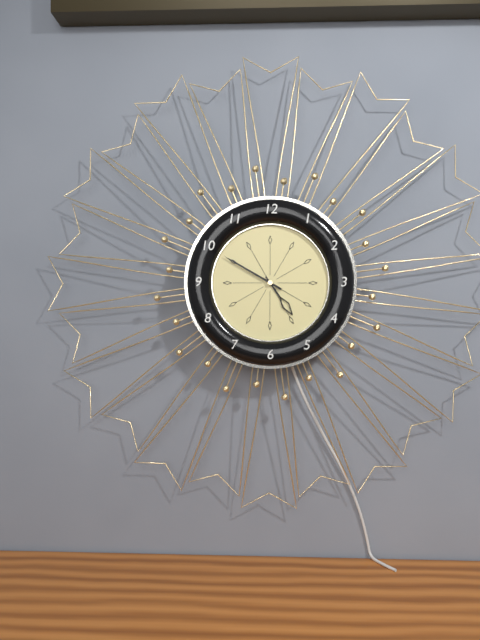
4 h 50 min
